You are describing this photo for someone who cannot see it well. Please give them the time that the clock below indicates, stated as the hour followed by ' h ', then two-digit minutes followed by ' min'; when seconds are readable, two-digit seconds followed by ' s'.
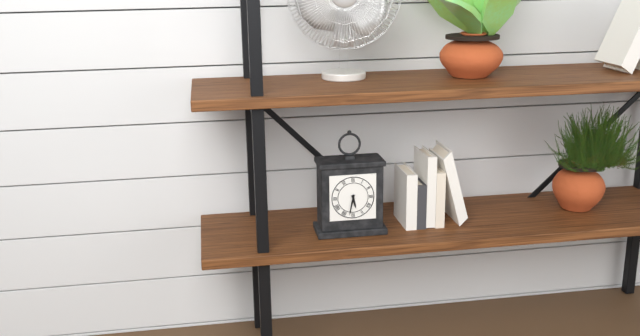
5 h 32 min
